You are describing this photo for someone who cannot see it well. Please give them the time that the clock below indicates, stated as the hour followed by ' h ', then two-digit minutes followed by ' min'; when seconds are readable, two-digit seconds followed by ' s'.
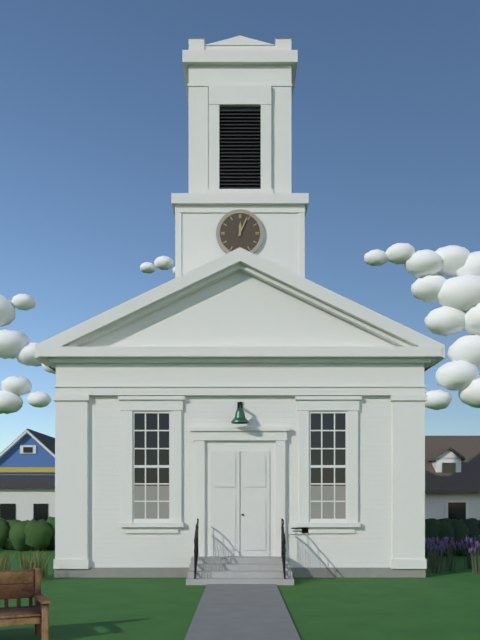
12 h 04 min
